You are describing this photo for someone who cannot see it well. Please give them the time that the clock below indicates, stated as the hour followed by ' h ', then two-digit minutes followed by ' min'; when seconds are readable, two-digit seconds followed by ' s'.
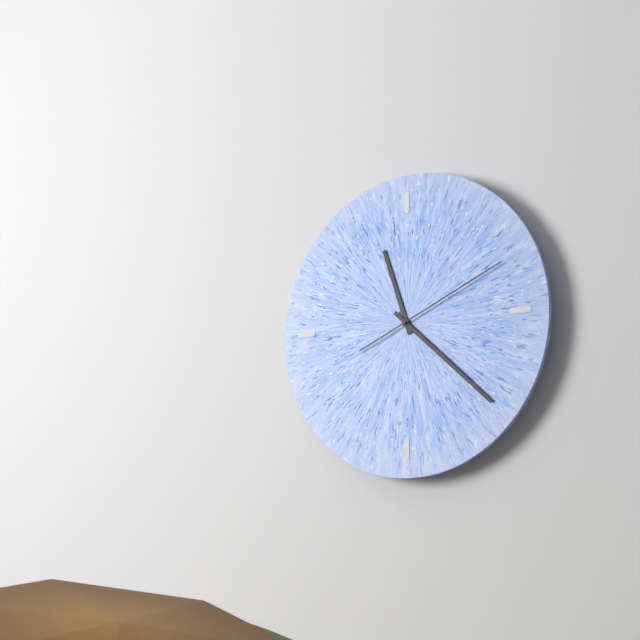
11 h 22 min 11 s
